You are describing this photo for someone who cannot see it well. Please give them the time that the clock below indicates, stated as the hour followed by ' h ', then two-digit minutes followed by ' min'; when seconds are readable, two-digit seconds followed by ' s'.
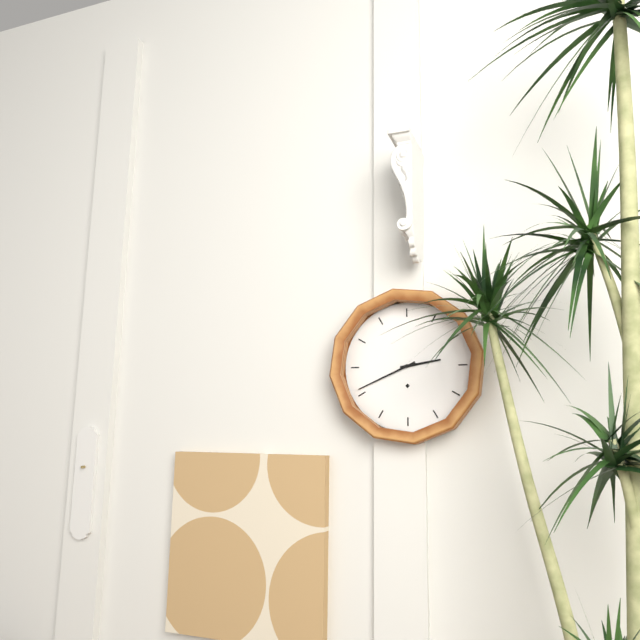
2 h 41 min
